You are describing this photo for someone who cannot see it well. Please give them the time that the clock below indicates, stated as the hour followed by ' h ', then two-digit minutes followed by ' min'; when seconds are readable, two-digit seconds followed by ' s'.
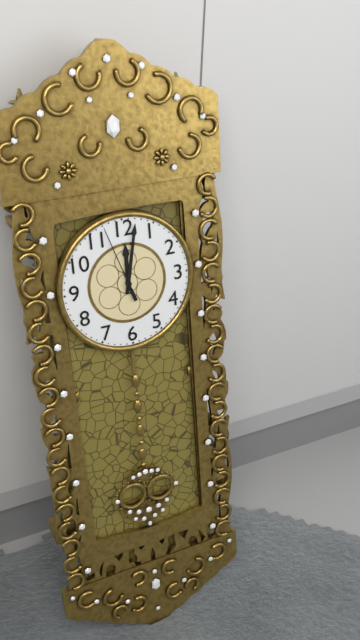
12 h 02 min 57 s
